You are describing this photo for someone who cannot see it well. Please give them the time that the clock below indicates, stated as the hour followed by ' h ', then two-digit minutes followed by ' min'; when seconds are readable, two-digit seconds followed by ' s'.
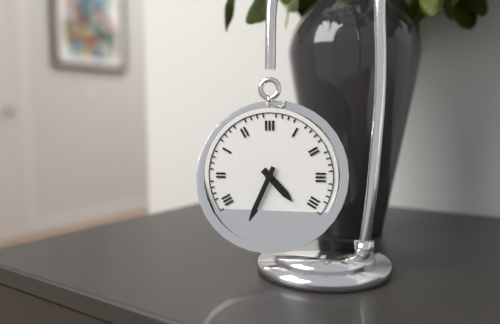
4 h 34 min
